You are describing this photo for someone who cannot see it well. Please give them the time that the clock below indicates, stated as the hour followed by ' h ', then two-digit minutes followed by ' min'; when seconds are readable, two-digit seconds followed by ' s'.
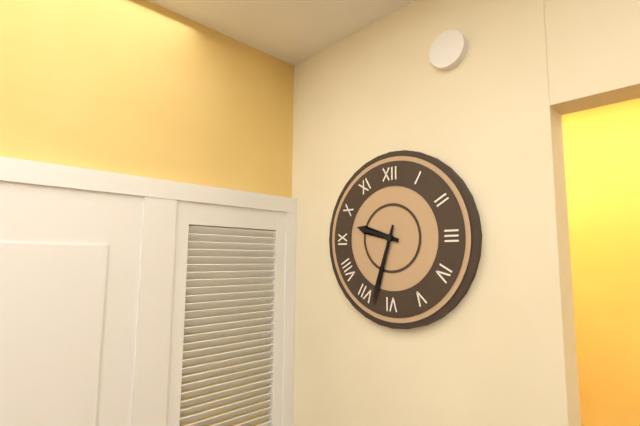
9 h 33 min
